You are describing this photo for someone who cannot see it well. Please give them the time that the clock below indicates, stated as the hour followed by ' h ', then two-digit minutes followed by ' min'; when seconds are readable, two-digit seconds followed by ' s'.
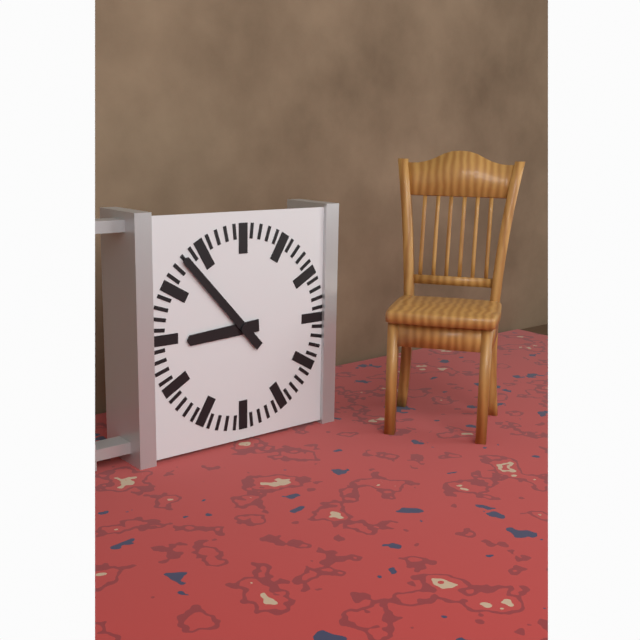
8 h 53 min
